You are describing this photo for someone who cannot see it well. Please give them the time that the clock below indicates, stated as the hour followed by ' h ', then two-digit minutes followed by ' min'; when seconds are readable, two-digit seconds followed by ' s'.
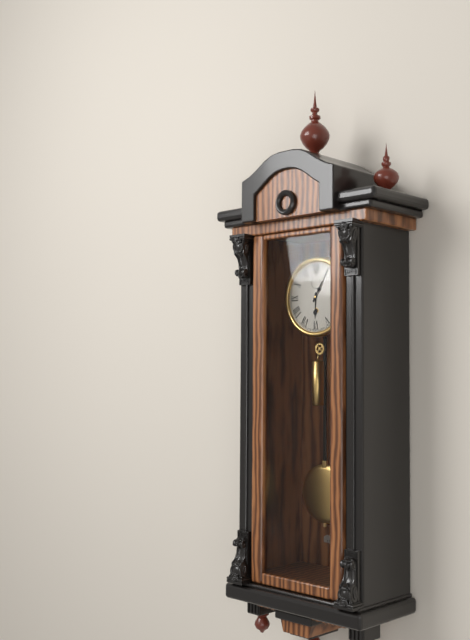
6 h 05 min
